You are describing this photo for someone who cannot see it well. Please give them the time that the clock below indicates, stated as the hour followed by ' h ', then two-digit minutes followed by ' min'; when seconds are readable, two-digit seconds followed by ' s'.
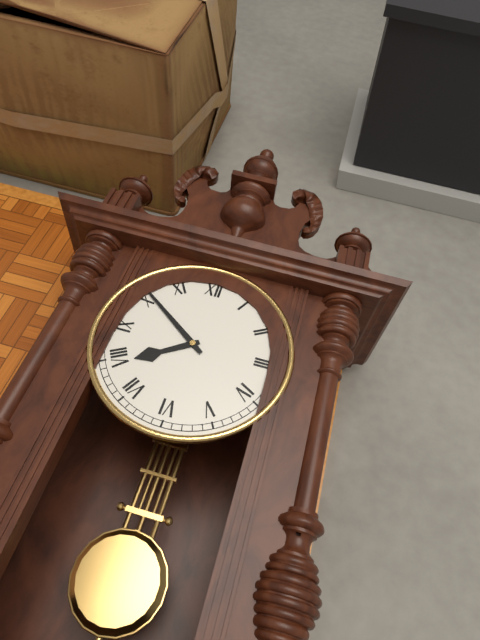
7 h 51 min
